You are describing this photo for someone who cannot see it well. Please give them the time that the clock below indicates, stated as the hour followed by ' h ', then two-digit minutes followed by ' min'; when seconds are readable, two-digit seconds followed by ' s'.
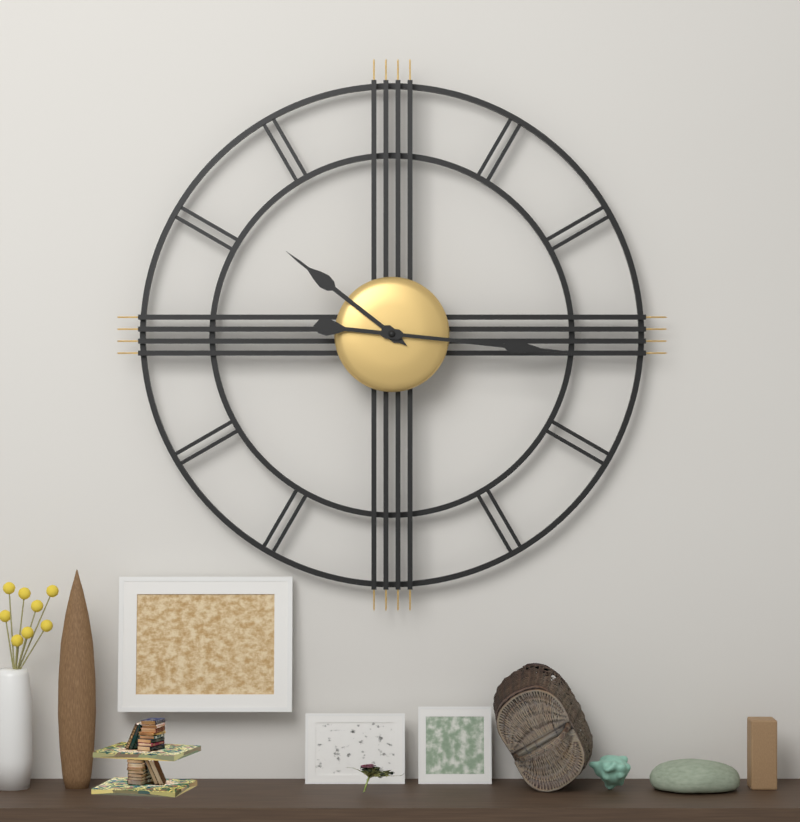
10 h 16 min
